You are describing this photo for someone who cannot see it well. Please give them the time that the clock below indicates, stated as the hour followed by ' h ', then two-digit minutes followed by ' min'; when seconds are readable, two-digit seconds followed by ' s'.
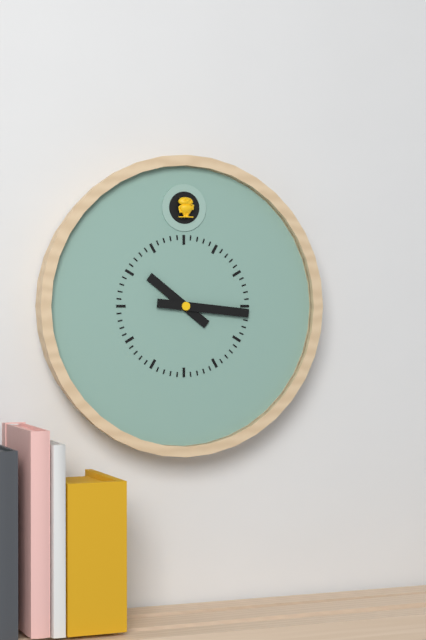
10 h 16 min
